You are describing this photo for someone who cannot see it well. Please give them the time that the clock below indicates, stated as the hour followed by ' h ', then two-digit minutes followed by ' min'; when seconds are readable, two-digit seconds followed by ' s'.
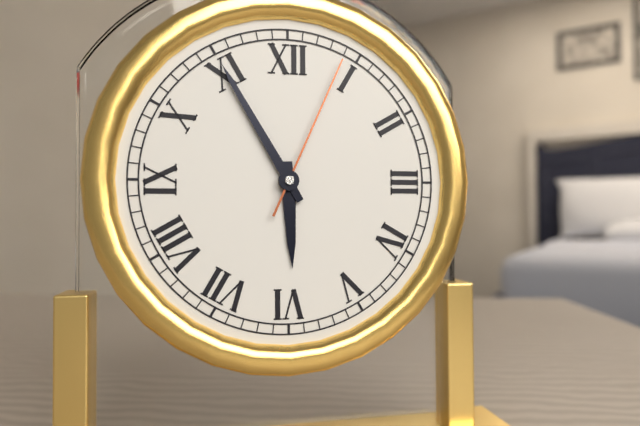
5 h 55 min 04 s
